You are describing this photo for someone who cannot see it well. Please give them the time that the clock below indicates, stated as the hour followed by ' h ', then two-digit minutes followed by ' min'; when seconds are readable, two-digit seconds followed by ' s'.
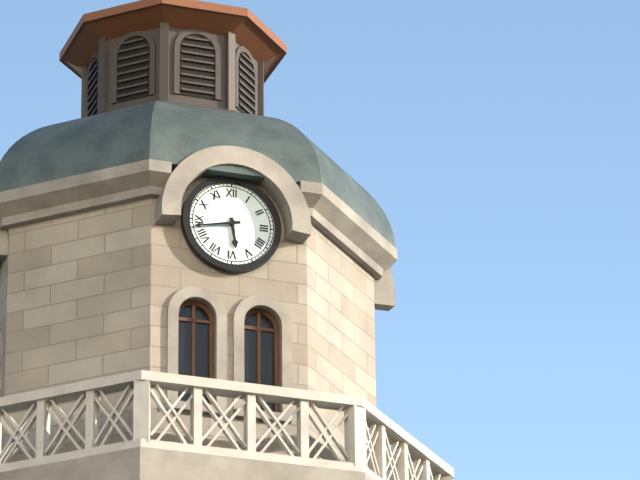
5 h 43 min
